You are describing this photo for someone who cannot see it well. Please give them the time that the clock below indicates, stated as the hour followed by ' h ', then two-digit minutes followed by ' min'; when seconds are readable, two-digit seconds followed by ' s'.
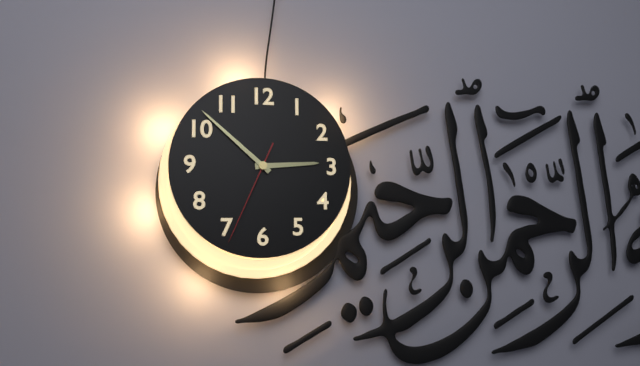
2 h 52 min 34 s
